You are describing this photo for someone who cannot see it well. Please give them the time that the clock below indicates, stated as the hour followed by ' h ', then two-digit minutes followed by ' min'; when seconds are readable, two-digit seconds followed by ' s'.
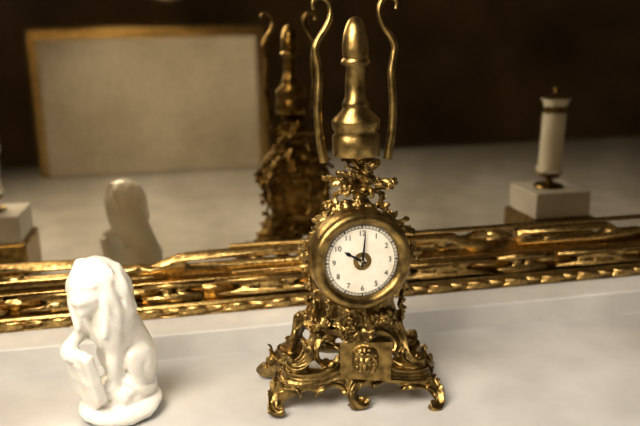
10 h 01 min
